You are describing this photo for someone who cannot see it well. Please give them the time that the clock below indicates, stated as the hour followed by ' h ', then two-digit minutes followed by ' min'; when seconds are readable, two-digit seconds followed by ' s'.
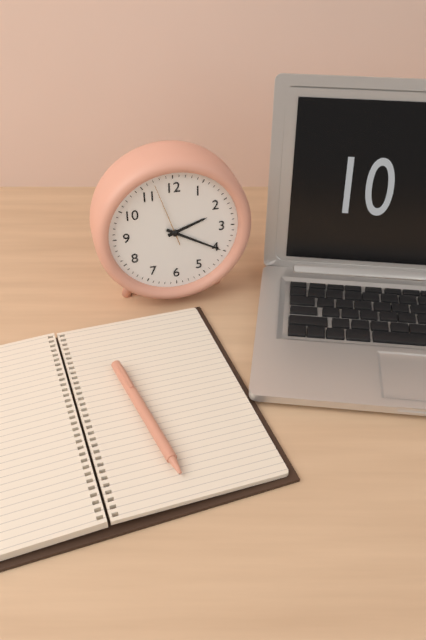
2 h 20 min 57 s
